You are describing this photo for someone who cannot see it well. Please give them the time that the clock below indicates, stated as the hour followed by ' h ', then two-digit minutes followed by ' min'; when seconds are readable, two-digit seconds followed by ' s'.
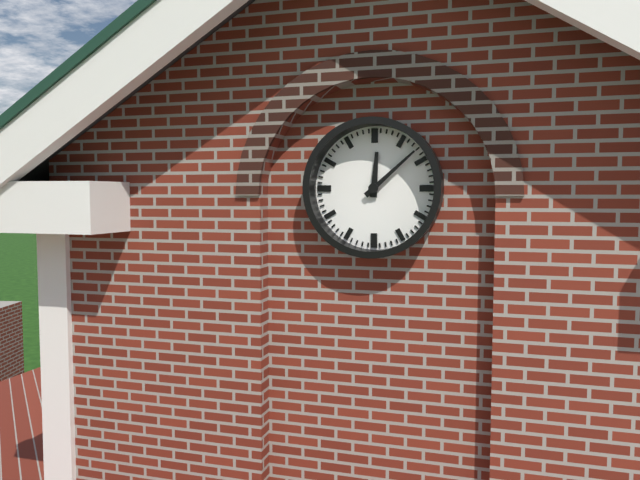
12 h 08 min
